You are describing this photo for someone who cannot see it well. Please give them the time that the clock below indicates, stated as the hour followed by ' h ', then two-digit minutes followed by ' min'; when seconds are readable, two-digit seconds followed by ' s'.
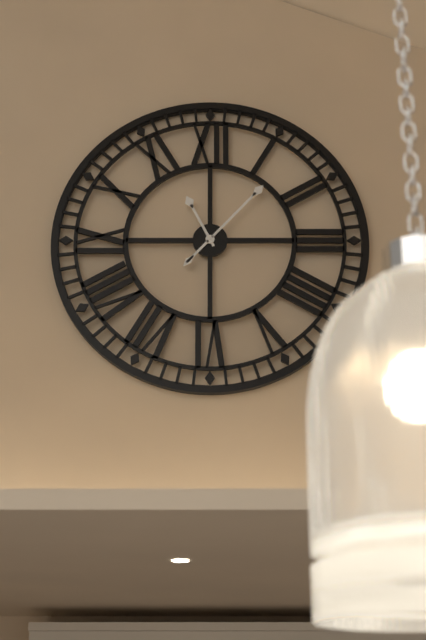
11 h 07 min
